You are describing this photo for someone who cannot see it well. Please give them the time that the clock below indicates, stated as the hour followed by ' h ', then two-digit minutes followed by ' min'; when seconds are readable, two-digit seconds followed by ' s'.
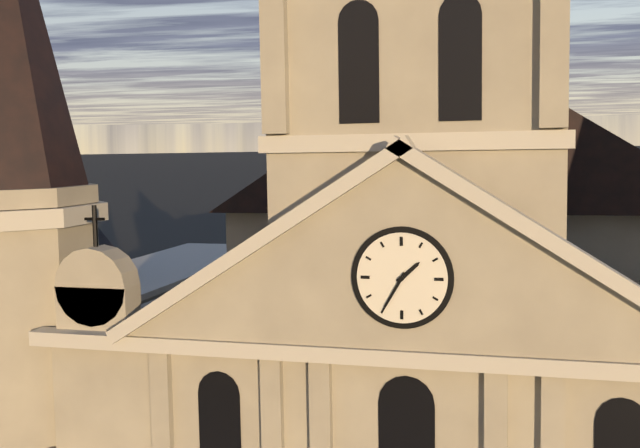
1 h 35 min
